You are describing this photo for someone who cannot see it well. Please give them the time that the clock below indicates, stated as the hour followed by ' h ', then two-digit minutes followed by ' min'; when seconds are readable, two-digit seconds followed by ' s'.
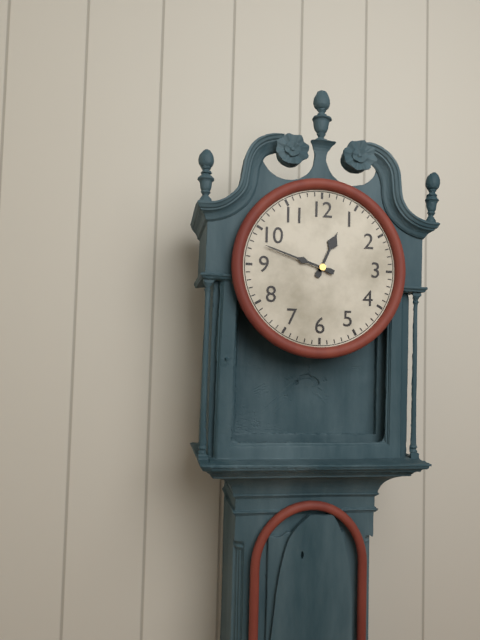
12 h 48 min
